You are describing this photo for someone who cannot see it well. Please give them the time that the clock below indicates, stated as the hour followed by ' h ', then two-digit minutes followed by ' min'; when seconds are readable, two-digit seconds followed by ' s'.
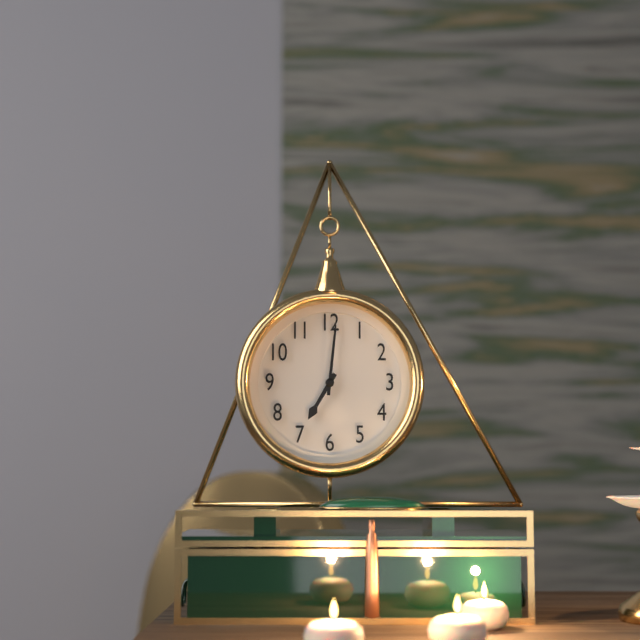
7 h 01 min
